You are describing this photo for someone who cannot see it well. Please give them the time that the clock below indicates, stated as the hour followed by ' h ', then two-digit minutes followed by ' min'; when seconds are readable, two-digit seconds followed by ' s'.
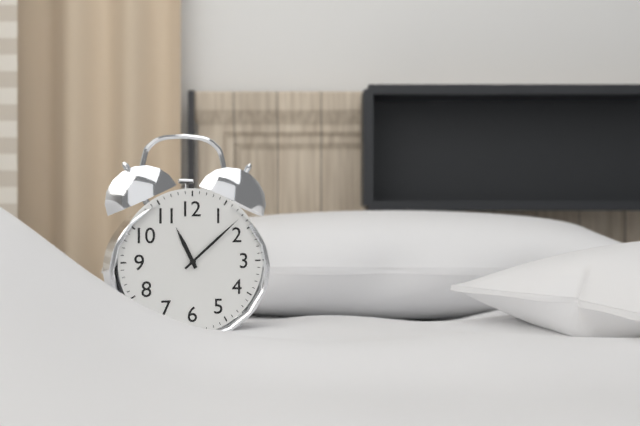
11 h 08 min
